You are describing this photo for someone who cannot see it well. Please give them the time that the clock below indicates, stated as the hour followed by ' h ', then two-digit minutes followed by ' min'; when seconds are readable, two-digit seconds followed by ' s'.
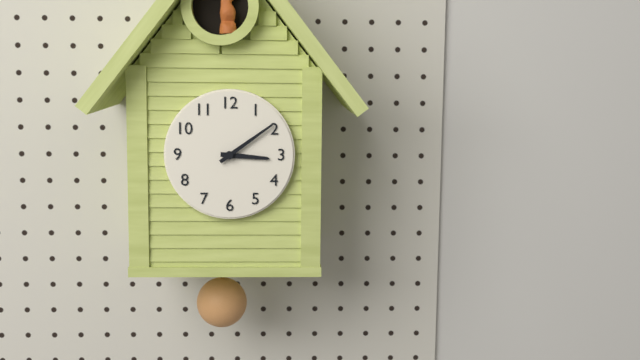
3 h 09 min
